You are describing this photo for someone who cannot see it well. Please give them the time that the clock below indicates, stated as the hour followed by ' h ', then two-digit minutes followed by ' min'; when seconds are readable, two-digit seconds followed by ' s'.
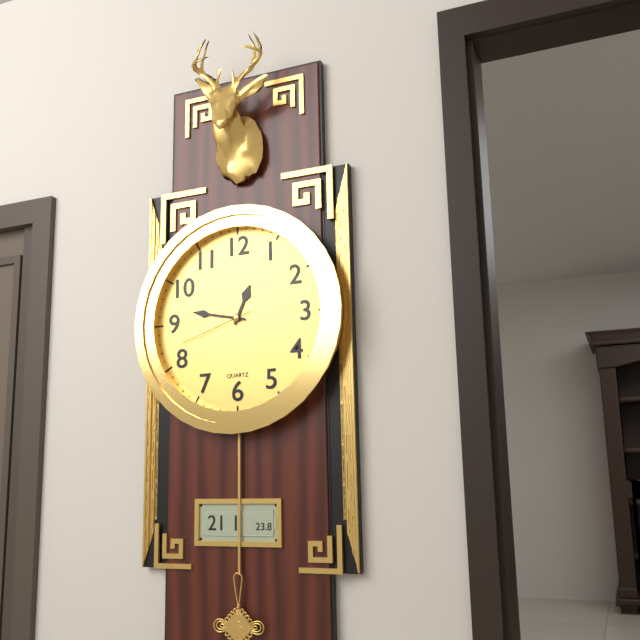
12 h 47 min 42 s
